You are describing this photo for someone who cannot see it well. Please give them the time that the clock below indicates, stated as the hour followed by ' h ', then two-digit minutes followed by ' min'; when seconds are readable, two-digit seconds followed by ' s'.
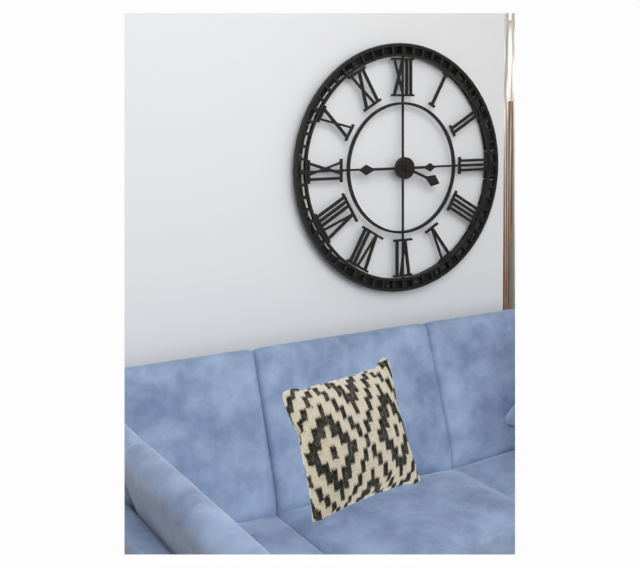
3 h 45 min
